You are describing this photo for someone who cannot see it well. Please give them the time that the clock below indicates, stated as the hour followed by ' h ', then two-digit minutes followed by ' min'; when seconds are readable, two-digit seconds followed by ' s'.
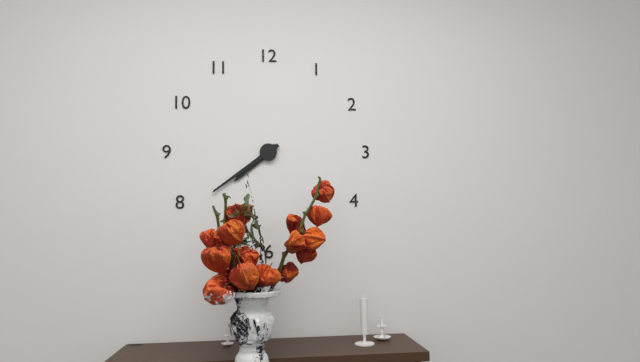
7 h 39 min
